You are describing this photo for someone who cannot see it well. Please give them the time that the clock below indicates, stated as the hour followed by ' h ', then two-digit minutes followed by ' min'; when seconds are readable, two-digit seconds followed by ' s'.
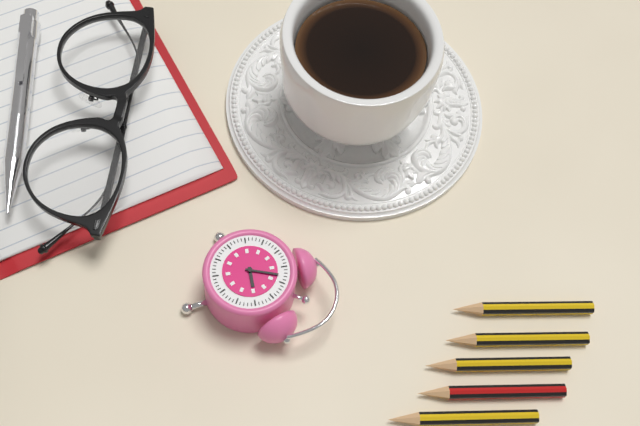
1 h 58 min
